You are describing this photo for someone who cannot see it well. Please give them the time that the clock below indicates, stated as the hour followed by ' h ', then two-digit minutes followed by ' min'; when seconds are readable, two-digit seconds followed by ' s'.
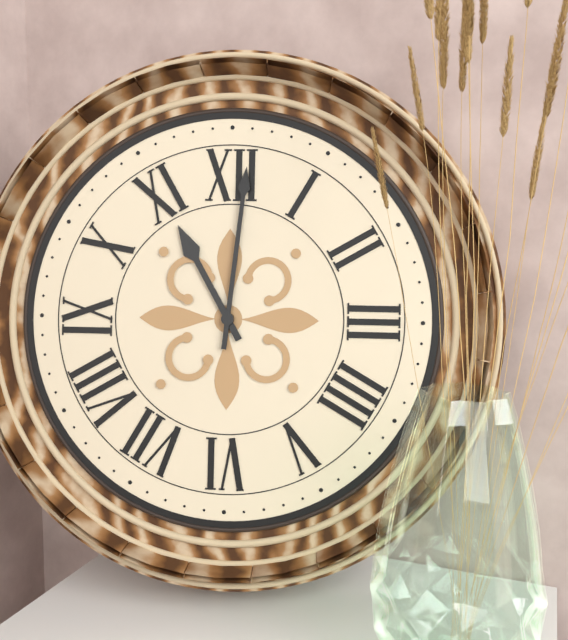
11 h 01 min
